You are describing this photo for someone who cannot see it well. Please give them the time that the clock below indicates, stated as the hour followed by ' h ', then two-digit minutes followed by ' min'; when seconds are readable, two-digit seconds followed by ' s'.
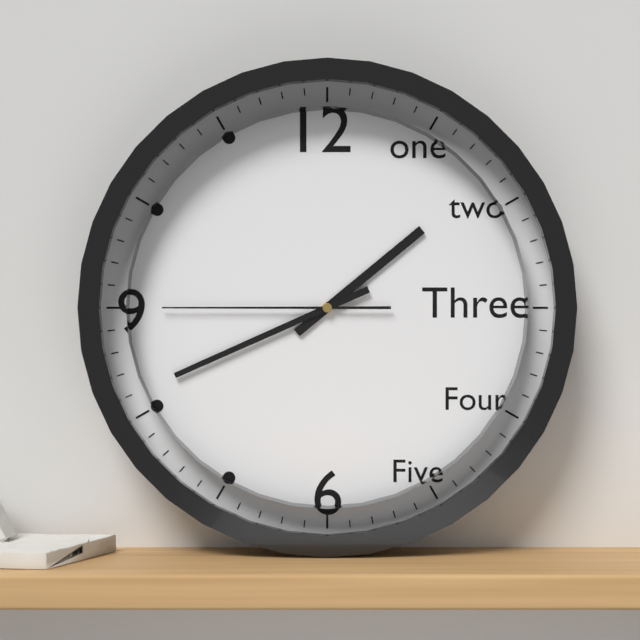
1 h 41 min 45 s
